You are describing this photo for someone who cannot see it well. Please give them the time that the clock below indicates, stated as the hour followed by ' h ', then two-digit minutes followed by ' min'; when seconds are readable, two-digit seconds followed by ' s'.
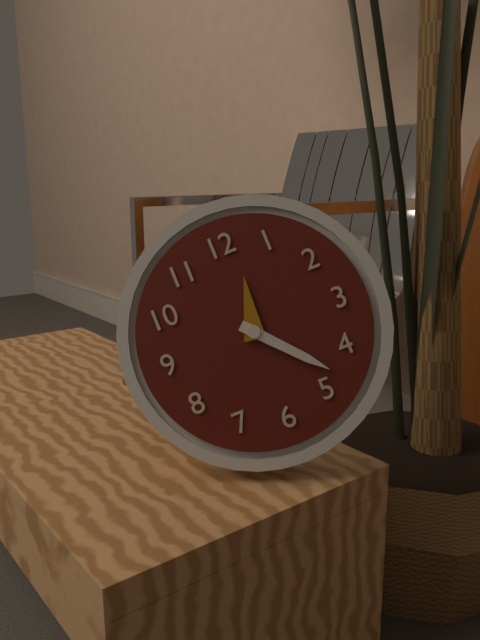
12 h 23 min
